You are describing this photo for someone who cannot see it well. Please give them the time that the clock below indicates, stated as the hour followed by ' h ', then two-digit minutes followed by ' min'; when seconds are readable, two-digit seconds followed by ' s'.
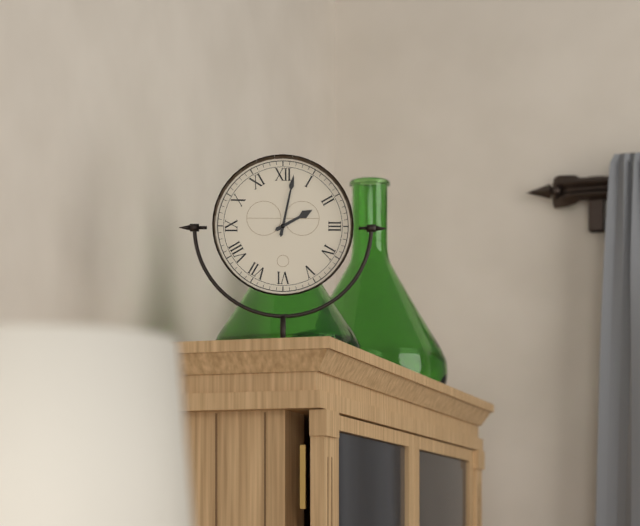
2 h 02 min
